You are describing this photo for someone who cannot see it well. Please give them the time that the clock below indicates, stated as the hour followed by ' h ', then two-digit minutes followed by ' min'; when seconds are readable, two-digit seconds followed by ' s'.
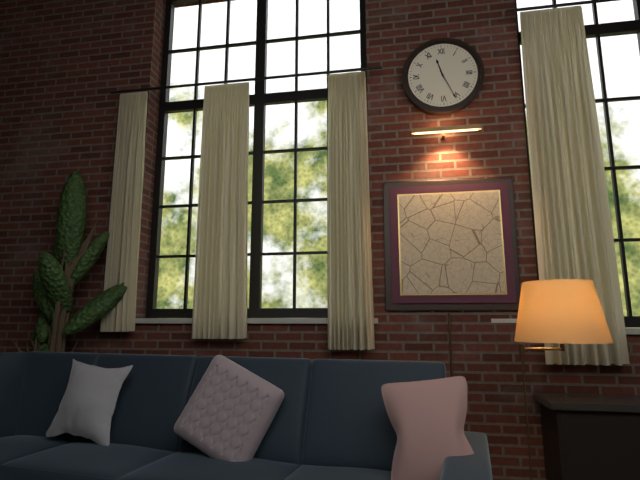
11 h 26 min
